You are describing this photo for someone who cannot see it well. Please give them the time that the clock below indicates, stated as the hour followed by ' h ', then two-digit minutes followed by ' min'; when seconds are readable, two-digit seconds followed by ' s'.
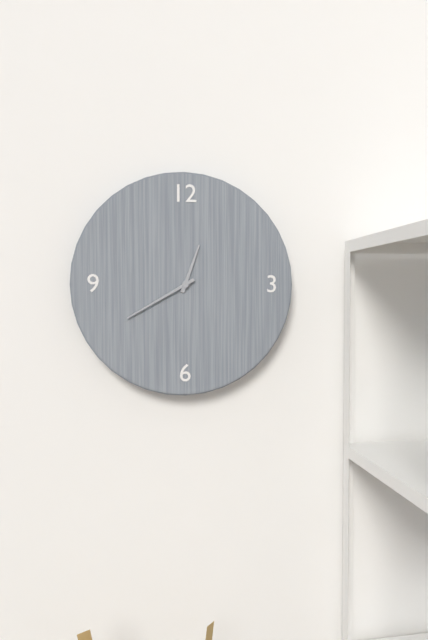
12 h 40 min
